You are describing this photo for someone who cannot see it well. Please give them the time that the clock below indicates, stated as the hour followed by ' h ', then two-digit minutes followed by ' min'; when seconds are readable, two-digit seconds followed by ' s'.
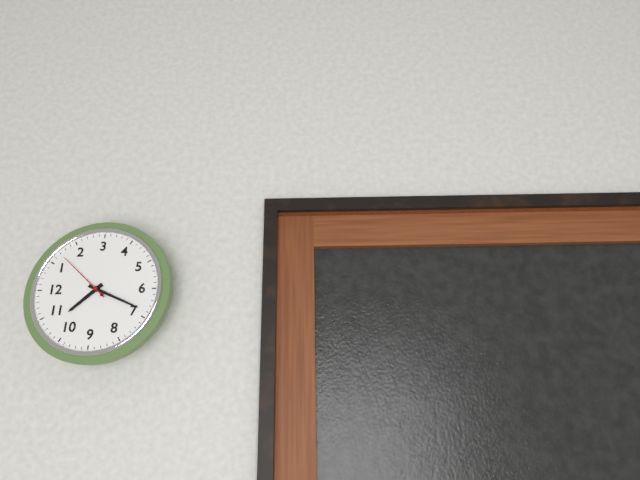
10 h 34 min 07 s
